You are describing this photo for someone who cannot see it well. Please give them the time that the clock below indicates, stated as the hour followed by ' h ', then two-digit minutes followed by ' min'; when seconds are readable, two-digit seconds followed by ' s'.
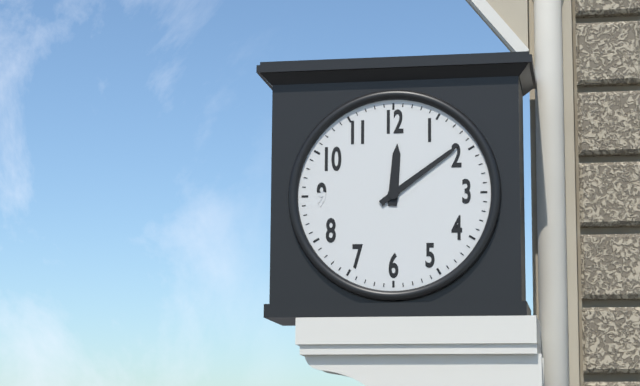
12 h 09 min
